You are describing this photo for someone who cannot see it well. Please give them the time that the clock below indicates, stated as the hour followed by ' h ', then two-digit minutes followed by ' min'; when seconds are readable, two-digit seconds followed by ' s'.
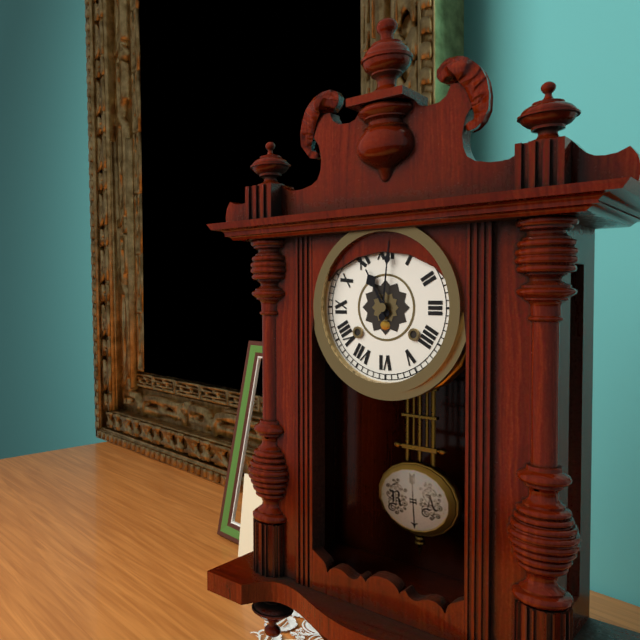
11 h 01 min
